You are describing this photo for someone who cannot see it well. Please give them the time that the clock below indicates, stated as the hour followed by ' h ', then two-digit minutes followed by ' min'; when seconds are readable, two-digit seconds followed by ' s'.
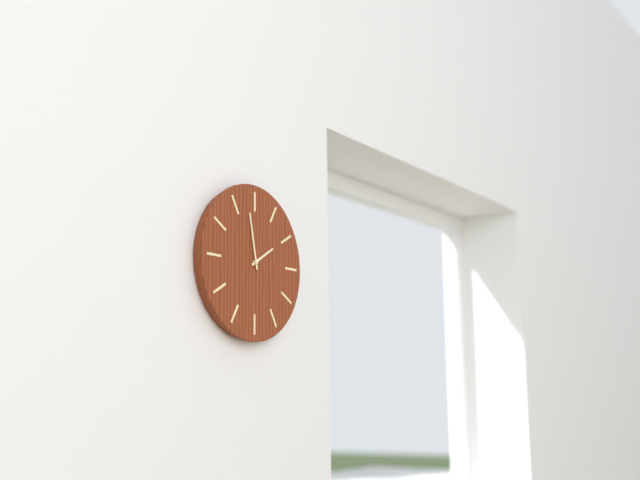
1 h 58 min
